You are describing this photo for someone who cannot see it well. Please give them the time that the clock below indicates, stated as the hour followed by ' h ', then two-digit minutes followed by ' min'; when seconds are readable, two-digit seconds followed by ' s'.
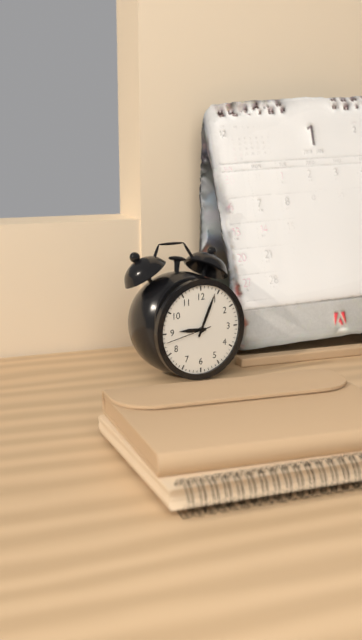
9 h 04 min
